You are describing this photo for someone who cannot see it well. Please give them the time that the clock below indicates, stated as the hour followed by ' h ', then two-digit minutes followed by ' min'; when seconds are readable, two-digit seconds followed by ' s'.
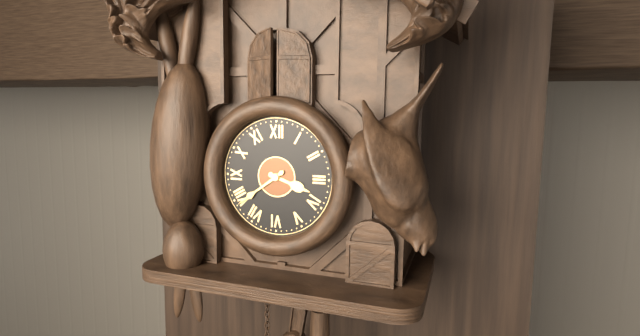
3 h 39 min
